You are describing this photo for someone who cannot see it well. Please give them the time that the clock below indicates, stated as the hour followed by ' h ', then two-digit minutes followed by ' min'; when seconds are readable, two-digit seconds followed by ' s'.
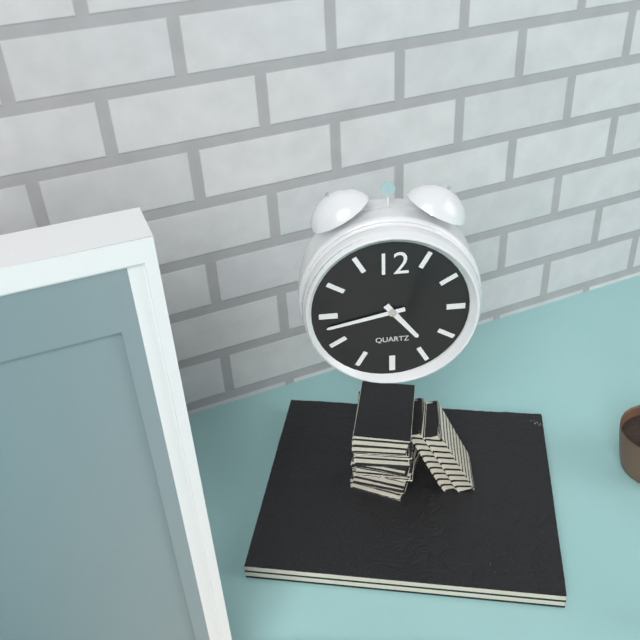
4 h 43 min
